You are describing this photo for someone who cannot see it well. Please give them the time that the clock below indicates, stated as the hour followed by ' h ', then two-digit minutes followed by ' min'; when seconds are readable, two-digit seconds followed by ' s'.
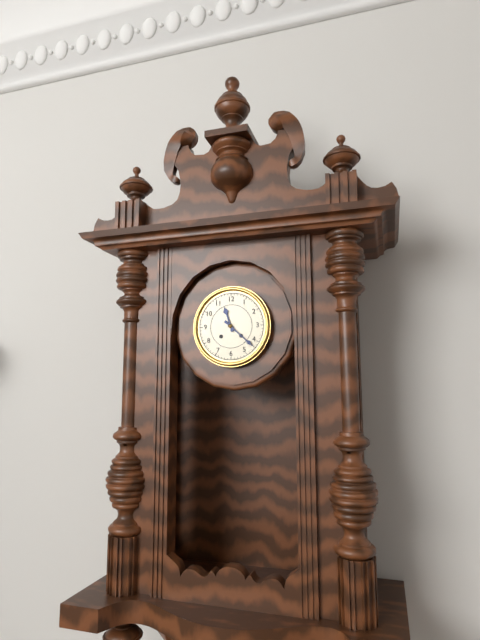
11 h 22 min
